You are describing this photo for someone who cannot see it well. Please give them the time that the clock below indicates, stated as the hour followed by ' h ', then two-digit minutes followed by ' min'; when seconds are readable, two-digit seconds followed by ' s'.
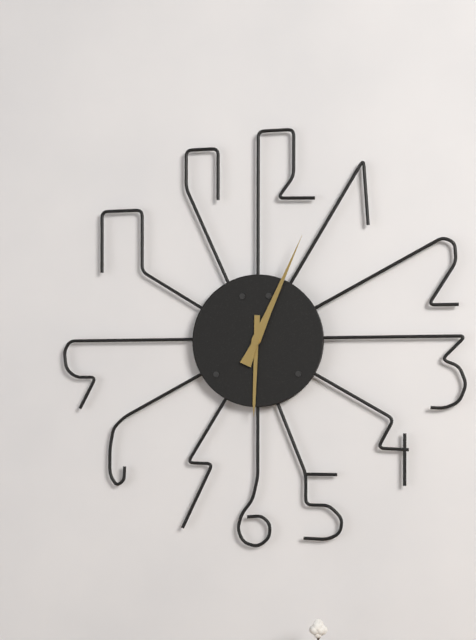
6 h 04 min
